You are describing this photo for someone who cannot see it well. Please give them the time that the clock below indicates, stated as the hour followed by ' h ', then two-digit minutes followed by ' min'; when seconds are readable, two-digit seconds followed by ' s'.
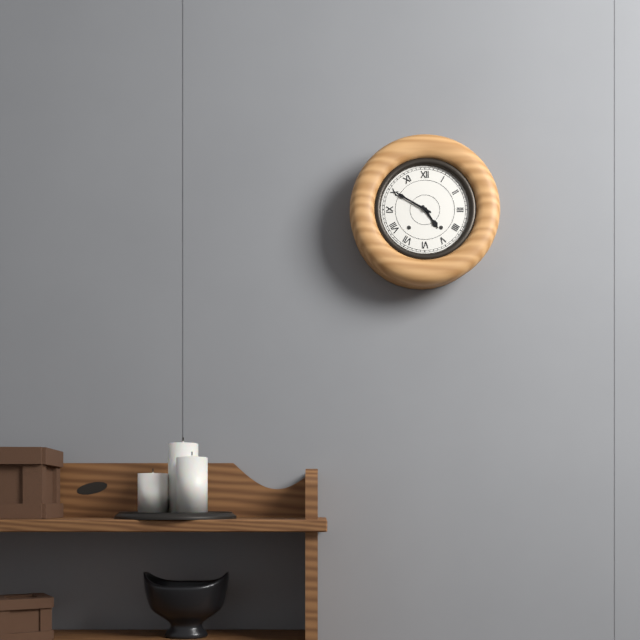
4 h 50 min
